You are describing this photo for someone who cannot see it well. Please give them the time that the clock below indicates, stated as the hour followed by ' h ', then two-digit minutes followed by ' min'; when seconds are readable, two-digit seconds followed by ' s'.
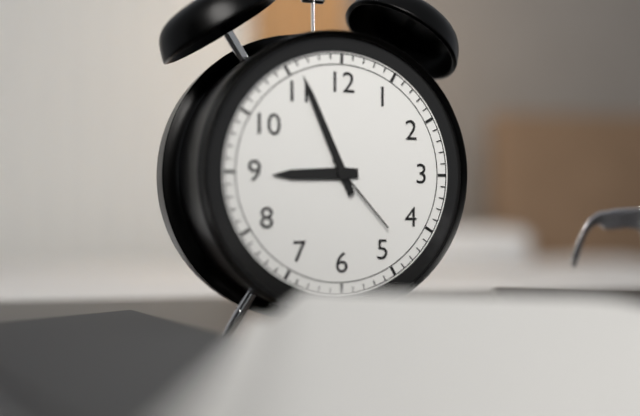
8 h 56 min 23 s
